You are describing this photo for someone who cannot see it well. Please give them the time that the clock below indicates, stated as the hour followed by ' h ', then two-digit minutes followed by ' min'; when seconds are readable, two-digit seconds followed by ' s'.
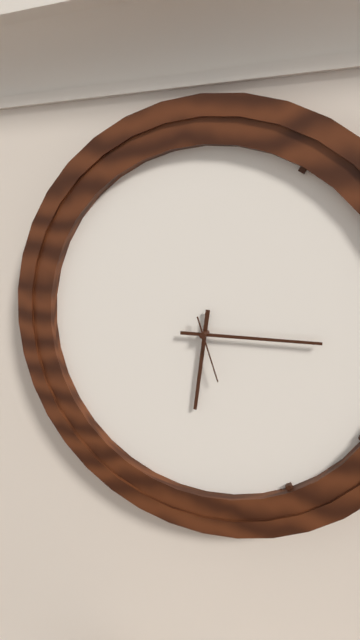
6 h 15 min 27 s
